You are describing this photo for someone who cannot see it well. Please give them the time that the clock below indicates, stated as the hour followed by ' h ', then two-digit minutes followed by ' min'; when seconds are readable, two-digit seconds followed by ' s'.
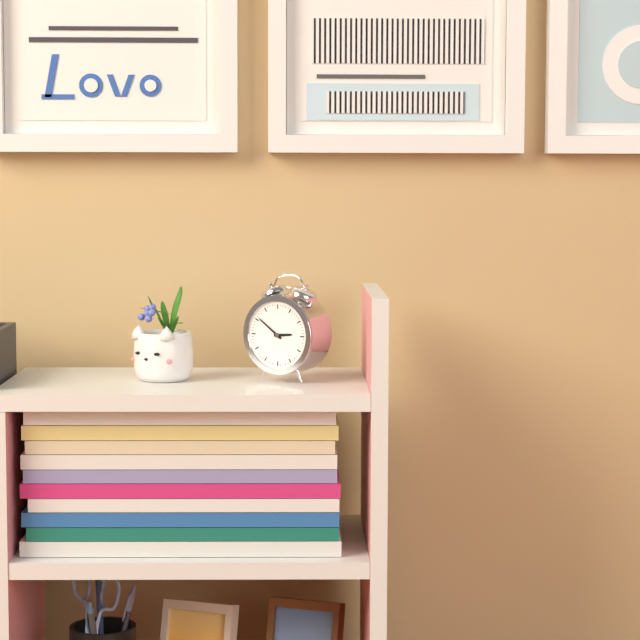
2 h 51 min
